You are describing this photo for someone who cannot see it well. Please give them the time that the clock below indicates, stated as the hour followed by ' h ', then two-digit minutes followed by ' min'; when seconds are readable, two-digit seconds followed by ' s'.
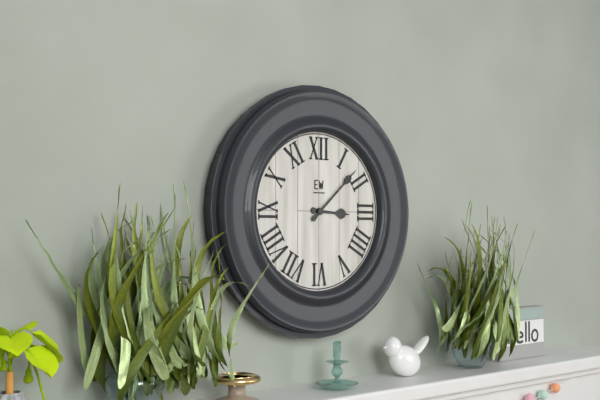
3 h 08 min
